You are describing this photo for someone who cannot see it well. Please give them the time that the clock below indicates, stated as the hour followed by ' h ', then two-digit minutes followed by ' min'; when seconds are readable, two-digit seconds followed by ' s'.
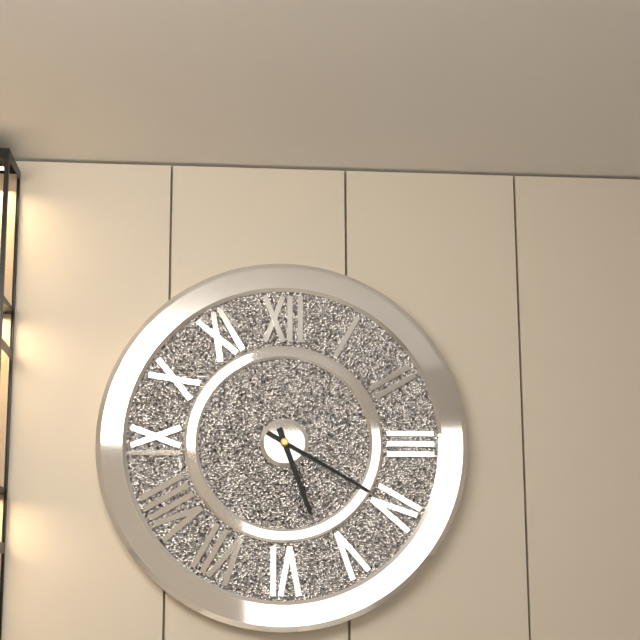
5 h 20 min
